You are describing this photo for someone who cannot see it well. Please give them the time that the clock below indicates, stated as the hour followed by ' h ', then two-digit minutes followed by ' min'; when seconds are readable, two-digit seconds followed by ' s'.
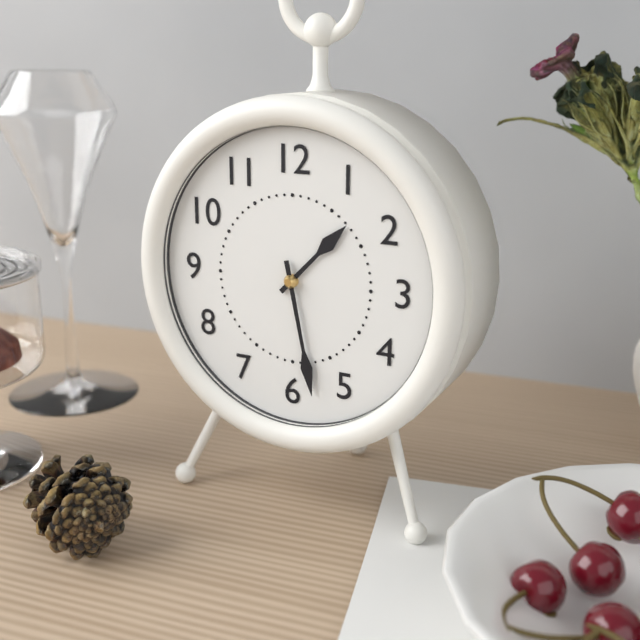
1 h 28 min
